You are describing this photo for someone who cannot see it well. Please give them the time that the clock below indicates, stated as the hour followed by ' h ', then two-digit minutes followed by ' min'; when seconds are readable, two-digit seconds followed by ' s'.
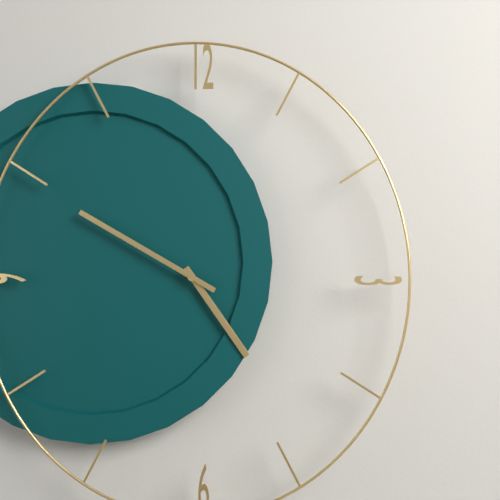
4 h 50 min
